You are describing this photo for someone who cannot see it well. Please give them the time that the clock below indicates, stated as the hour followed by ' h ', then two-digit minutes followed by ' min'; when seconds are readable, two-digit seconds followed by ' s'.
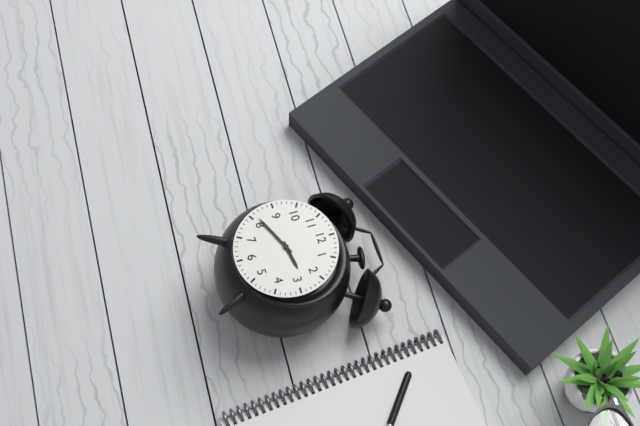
2 h 41 min
